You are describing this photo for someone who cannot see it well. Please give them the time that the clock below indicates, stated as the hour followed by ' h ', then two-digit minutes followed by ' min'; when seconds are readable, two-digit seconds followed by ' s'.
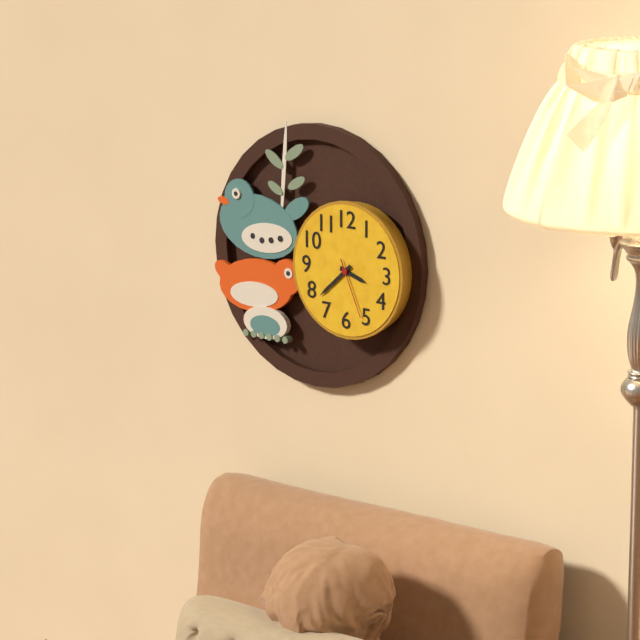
3 h 38 min 26 s
